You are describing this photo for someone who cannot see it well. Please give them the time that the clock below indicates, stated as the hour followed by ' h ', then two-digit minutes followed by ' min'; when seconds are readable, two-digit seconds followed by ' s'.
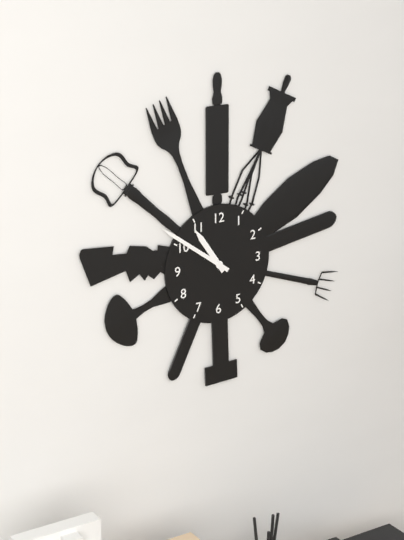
10 h 51 min
